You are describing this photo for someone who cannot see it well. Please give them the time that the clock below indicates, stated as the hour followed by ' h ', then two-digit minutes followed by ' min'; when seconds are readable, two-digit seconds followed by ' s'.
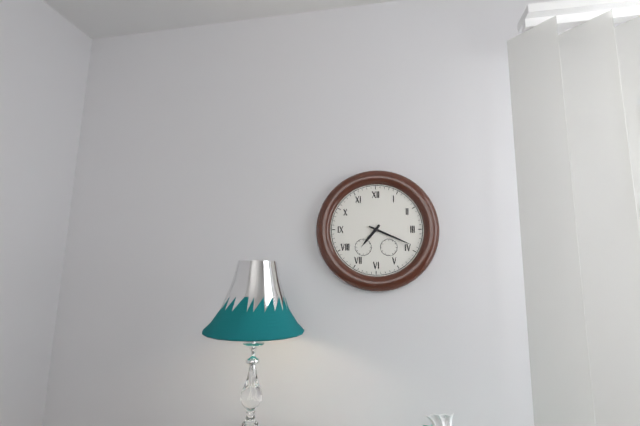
7 h 19 min
